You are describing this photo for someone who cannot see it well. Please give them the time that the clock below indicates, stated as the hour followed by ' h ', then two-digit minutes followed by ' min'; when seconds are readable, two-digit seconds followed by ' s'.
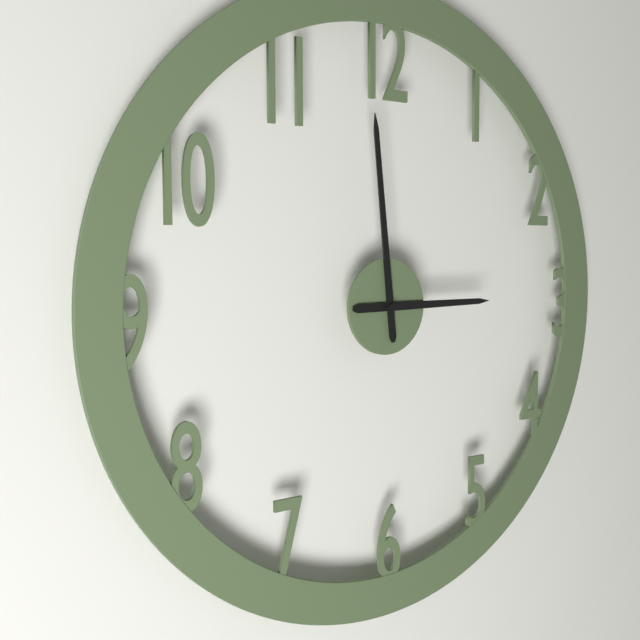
2 h 59 min
